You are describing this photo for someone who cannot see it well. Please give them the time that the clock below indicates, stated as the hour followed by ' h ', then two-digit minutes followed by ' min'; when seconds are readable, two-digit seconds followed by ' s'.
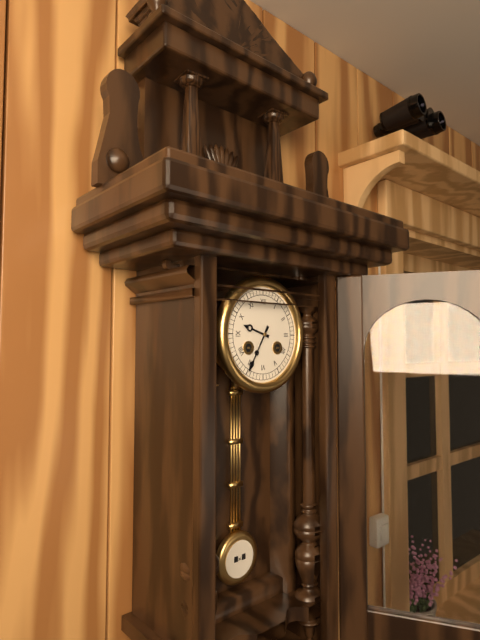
9 h 35 min
